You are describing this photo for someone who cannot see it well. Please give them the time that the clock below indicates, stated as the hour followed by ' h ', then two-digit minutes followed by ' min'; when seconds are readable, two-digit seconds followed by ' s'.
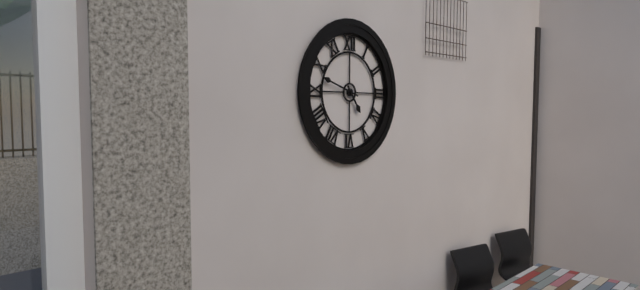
4 h 48 min
